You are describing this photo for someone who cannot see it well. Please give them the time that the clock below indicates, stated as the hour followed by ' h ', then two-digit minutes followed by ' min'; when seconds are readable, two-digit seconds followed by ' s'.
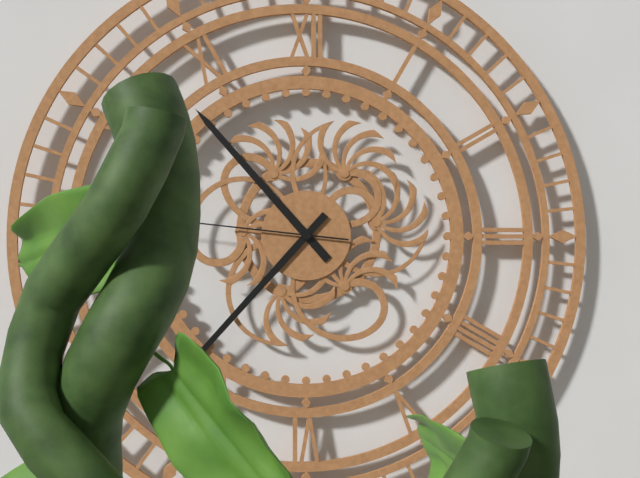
10 h 37 min
